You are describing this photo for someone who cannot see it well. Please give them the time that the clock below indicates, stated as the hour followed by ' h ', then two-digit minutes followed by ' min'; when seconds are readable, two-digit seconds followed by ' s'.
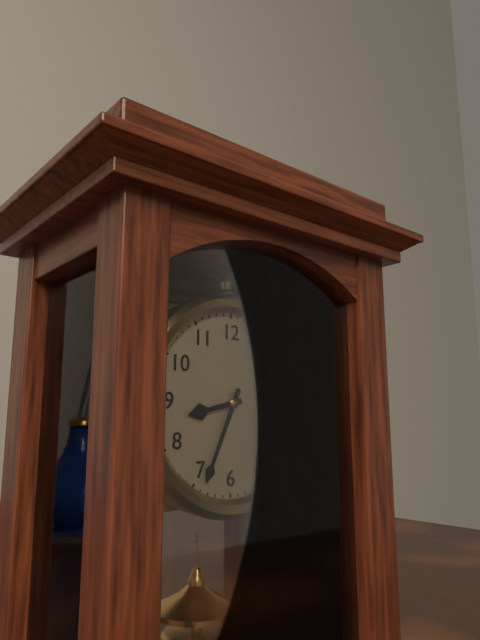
8 h 34 min
